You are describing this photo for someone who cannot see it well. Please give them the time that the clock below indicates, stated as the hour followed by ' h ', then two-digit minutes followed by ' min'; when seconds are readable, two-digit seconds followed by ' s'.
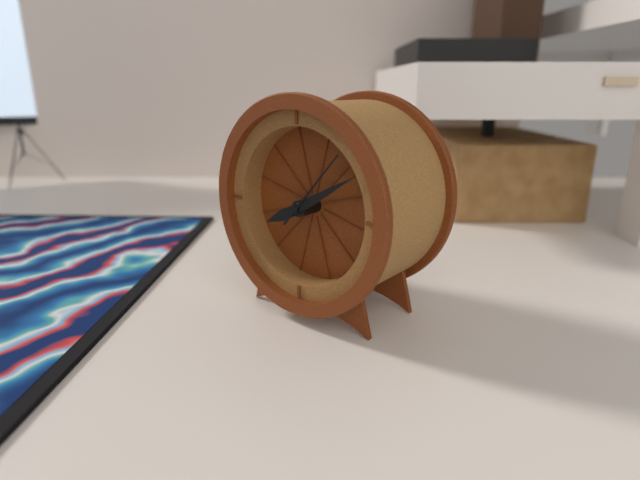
8 h 10 min 07 s
